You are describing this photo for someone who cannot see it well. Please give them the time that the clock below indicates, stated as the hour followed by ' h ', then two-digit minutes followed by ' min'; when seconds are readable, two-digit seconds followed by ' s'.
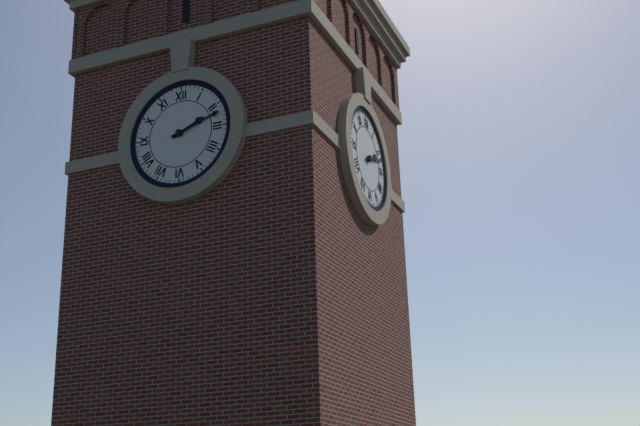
2 h 12 min
